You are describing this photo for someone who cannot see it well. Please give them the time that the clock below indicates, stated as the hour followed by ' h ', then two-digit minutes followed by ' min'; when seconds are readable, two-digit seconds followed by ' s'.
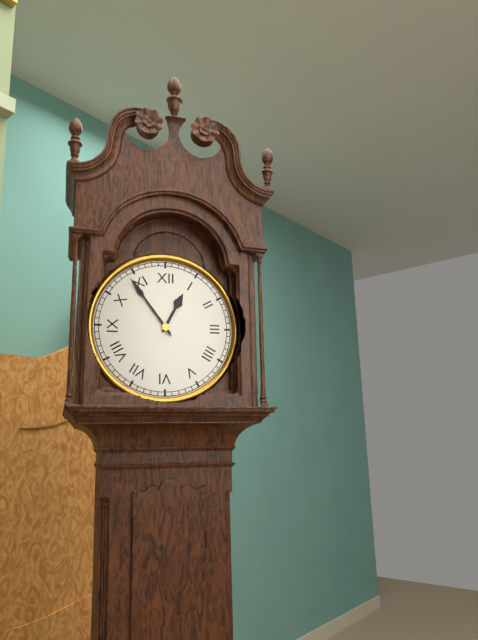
12 h 54 min
